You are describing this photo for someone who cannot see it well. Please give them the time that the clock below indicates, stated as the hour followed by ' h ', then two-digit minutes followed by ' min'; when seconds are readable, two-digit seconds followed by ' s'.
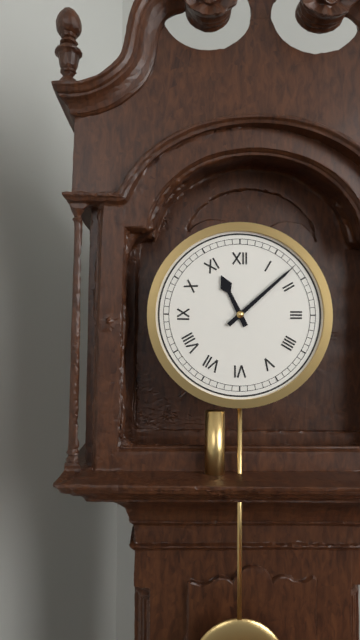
11 h 08 min
